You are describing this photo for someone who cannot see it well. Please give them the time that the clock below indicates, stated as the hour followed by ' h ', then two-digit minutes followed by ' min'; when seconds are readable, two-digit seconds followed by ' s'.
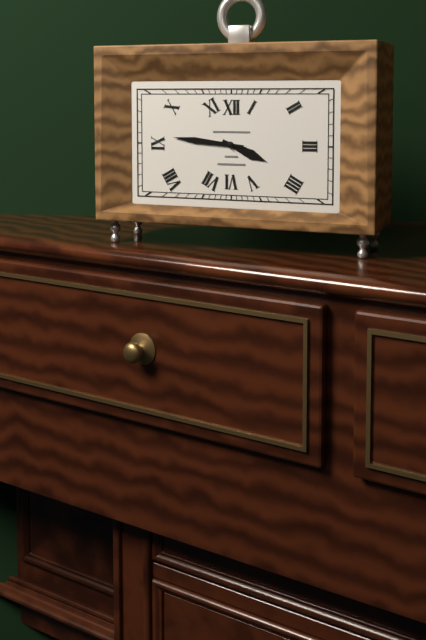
3 h 46 min
